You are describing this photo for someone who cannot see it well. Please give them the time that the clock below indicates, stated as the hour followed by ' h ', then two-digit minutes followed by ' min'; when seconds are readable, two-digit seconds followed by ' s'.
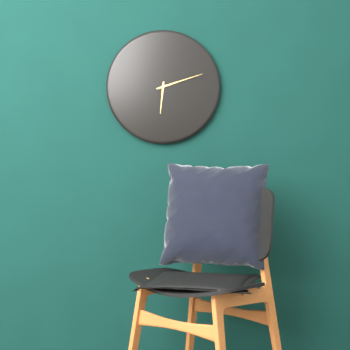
6 h 12 min
